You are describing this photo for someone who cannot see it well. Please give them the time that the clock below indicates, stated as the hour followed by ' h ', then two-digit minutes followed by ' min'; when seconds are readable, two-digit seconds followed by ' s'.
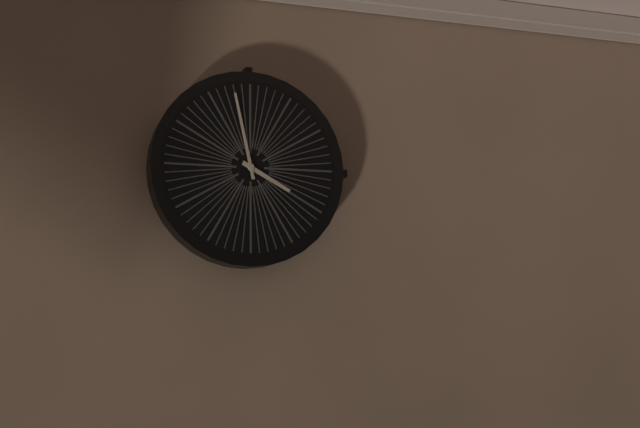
3 h 58 min
